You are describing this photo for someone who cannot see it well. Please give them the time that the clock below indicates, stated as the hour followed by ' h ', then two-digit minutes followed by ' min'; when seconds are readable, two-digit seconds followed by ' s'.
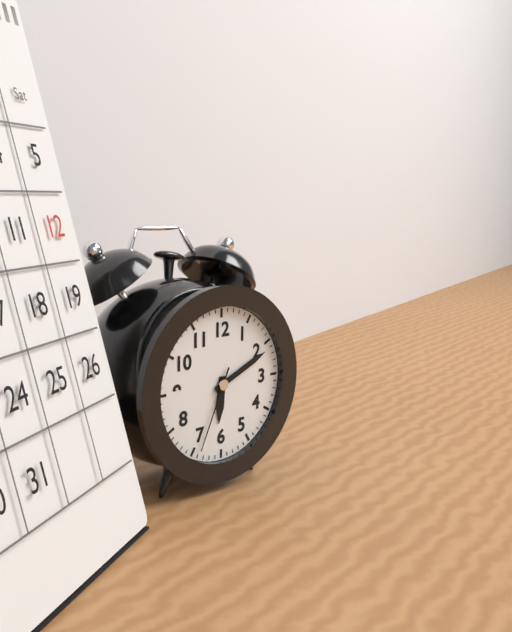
6 h 11 min 34 s
